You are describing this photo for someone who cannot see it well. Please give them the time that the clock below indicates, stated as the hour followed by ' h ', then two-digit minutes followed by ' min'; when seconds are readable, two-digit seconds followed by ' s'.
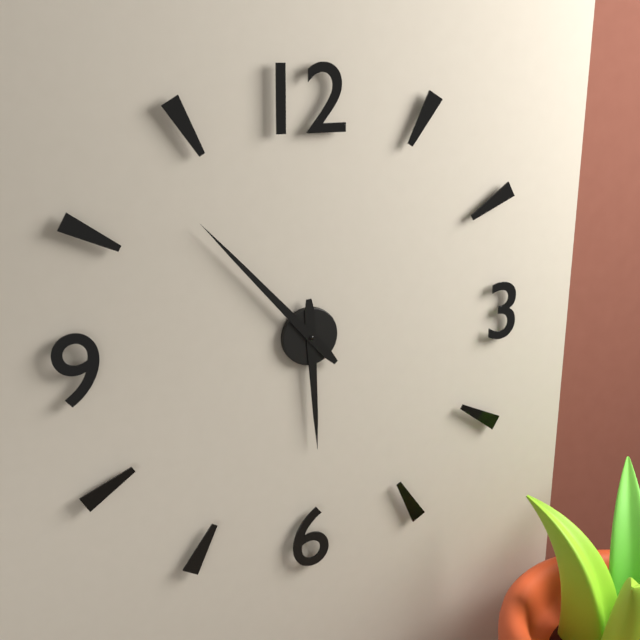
5 h 53 min
